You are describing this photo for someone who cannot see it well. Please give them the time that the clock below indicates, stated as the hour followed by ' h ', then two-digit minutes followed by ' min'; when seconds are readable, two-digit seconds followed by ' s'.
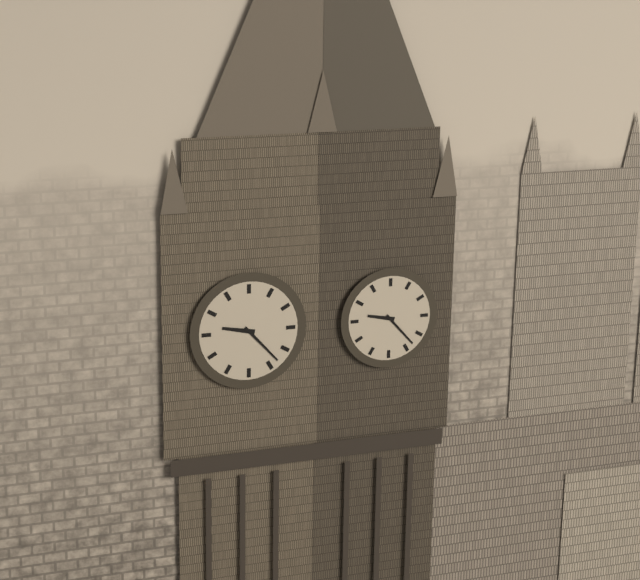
9 h 23 min
